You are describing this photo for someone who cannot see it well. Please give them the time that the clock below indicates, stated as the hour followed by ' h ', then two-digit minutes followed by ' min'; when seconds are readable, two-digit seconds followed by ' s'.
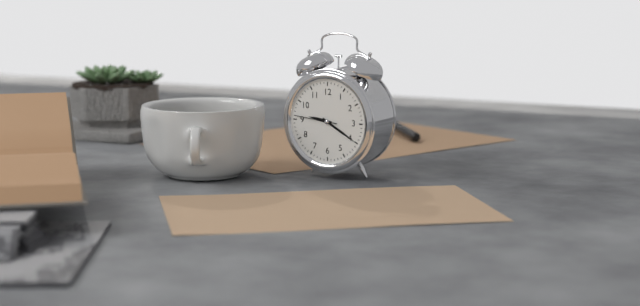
9 h 20 min
